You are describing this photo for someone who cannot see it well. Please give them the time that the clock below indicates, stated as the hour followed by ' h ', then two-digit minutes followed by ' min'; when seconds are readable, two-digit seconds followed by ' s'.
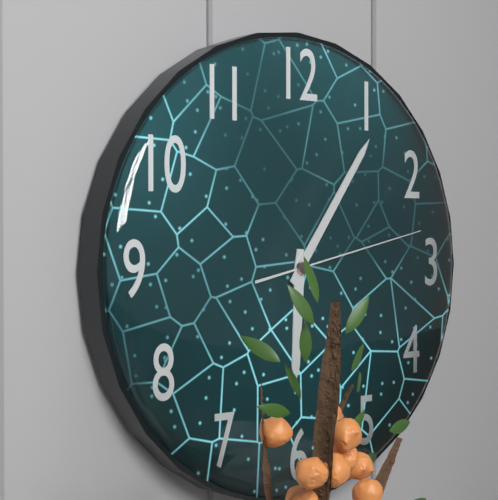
6 h 06 min 13 s
